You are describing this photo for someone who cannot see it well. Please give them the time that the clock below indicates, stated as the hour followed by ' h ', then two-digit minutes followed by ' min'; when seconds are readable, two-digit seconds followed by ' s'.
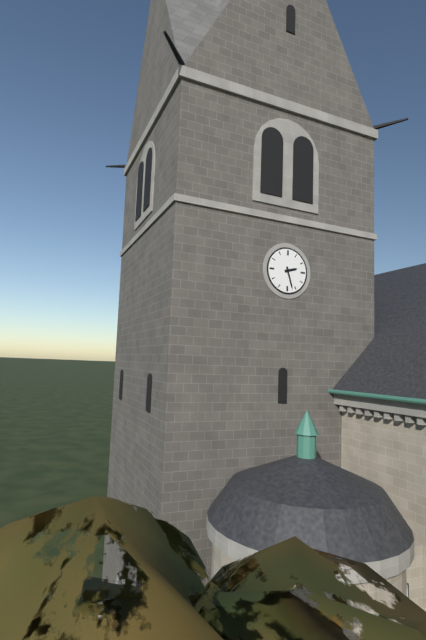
2 h 27 min
